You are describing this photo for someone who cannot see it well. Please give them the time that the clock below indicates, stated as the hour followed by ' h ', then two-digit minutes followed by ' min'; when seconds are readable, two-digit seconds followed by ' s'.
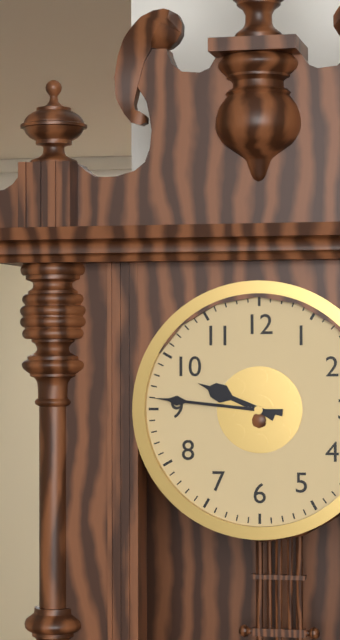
9 h 46 min
